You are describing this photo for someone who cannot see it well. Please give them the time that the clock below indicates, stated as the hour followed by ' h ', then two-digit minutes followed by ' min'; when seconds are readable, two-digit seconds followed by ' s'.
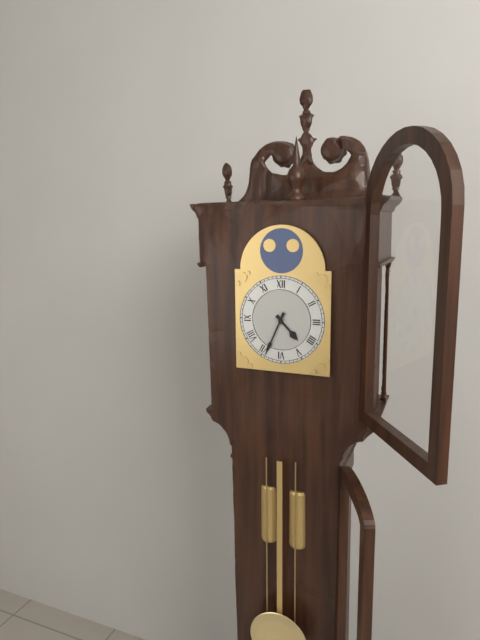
4 h 34 min
